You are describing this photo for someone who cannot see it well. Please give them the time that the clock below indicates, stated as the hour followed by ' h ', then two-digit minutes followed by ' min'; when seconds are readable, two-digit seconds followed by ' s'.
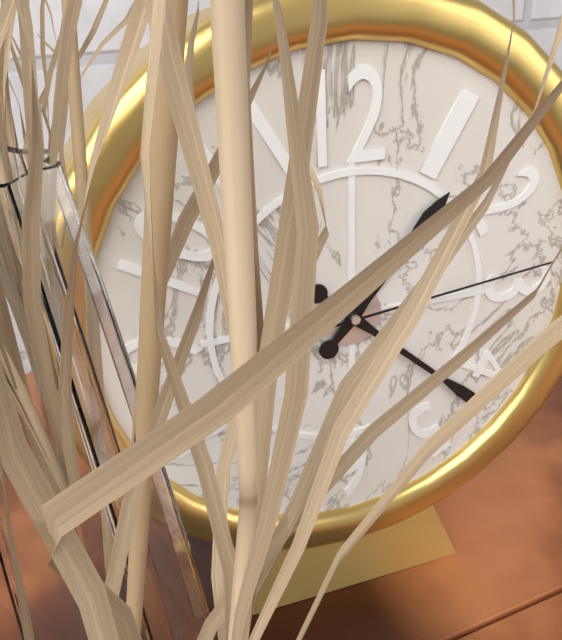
1 h 22 min 14 s
